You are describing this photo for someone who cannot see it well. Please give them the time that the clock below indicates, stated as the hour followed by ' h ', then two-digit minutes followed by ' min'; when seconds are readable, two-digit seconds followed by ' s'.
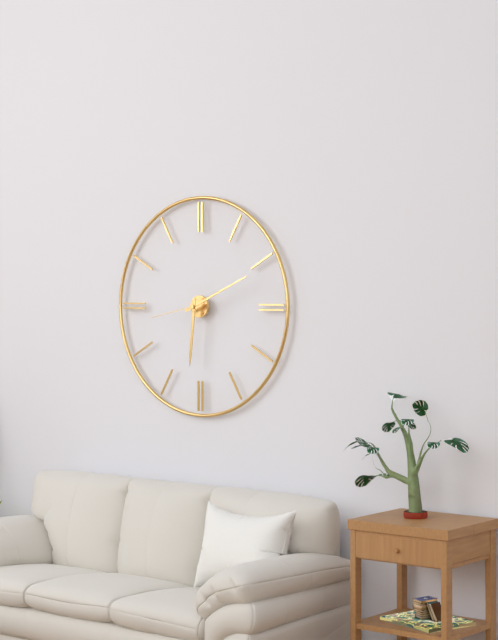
6 h 11 min 43 s
